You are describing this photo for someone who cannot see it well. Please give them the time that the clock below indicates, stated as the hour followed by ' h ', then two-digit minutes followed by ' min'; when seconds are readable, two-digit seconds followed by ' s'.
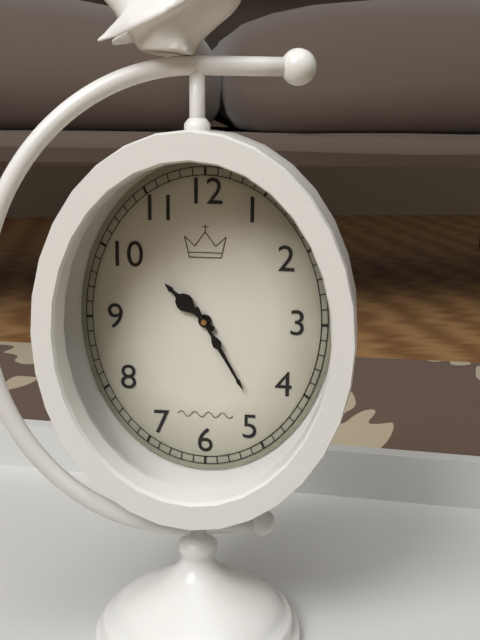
10 h 25 min
